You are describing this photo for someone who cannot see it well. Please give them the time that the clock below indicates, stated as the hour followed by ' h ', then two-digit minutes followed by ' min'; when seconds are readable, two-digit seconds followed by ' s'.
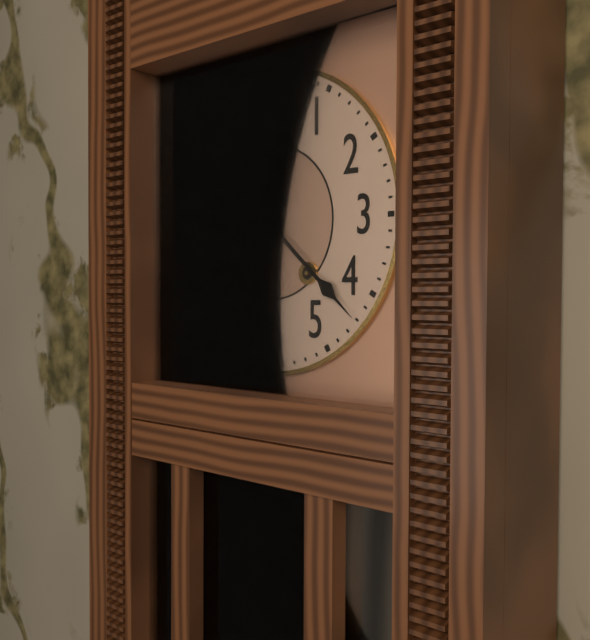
12 h 22 min
